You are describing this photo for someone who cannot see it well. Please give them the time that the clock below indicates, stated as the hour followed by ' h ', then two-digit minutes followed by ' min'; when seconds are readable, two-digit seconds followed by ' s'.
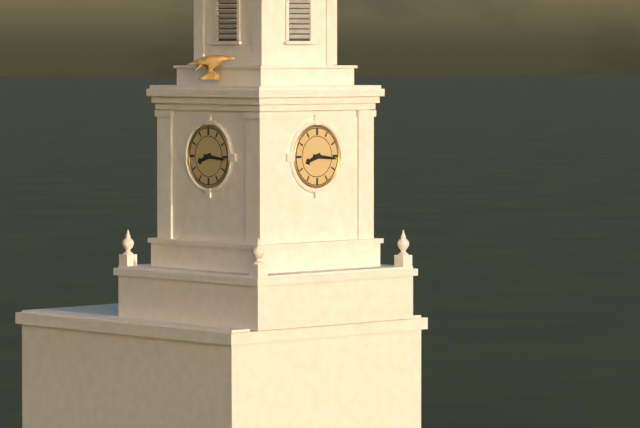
8 h 16 min
